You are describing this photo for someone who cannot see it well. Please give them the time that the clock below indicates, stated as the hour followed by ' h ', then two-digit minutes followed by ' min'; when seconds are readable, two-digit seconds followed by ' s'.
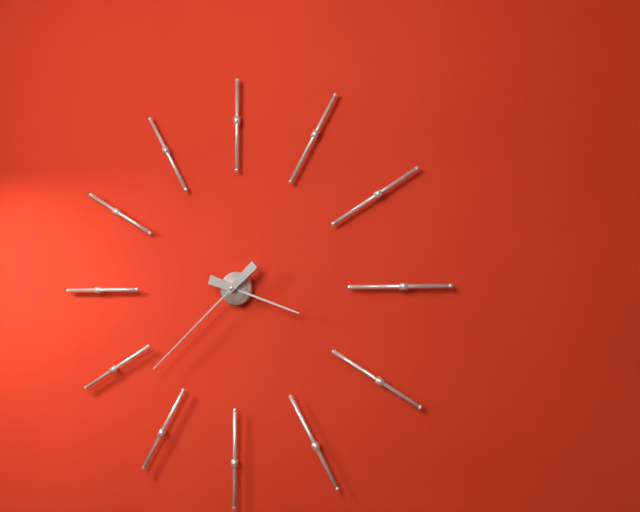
3 h 38 min
